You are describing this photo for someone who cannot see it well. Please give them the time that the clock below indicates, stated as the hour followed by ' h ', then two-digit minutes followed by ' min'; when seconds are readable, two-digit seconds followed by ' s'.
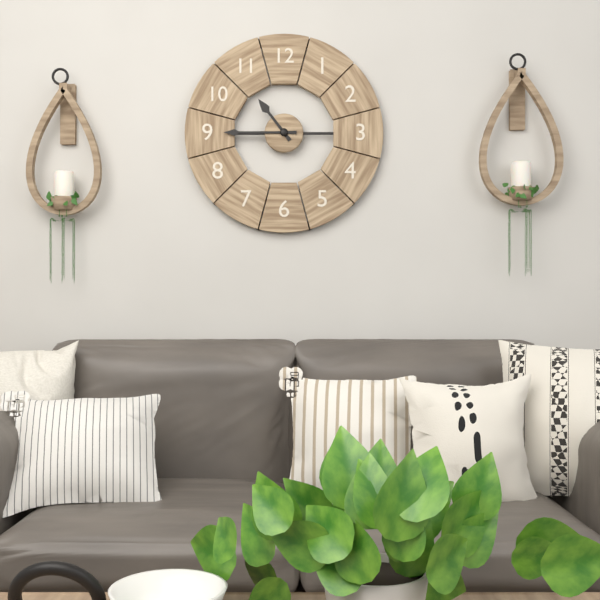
10 h 45 min
